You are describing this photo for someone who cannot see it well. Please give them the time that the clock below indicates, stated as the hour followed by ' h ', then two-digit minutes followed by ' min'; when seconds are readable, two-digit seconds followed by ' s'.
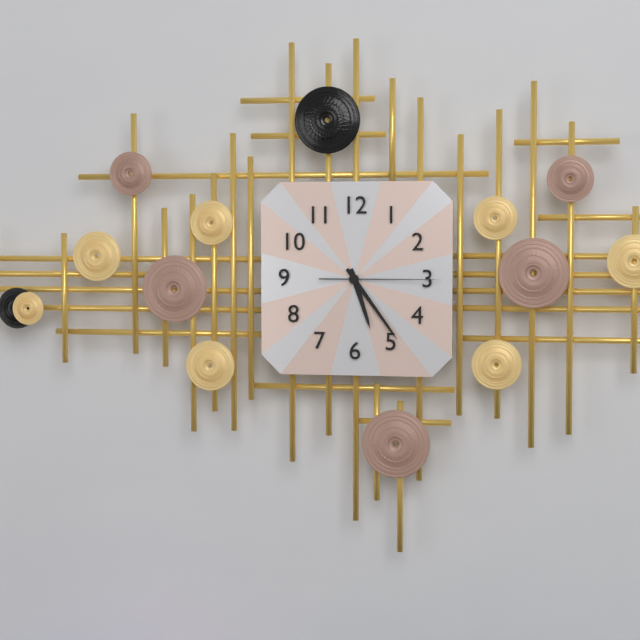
5 h 24 min 15 s
